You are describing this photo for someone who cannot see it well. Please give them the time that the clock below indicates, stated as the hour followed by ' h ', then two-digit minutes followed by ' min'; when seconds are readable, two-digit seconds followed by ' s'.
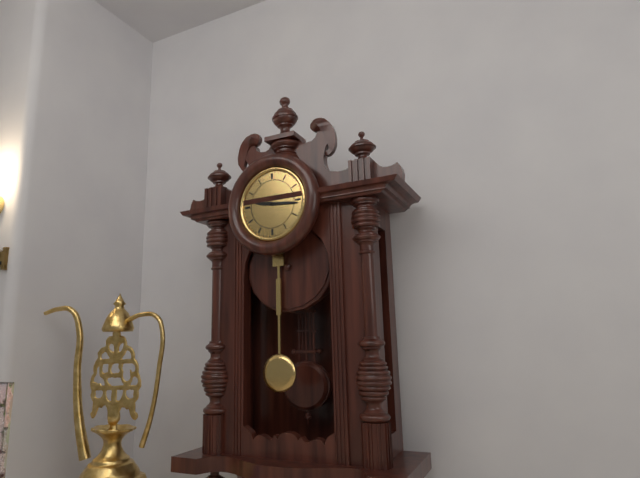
9 h 16 min
